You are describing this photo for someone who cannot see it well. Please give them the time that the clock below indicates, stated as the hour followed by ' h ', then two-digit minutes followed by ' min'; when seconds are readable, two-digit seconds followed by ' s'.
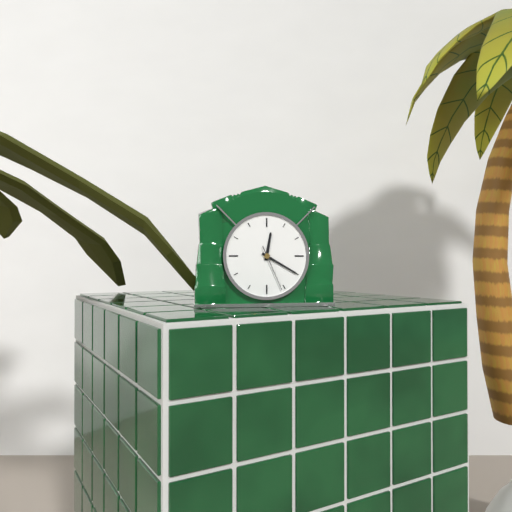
12 h 20 min
